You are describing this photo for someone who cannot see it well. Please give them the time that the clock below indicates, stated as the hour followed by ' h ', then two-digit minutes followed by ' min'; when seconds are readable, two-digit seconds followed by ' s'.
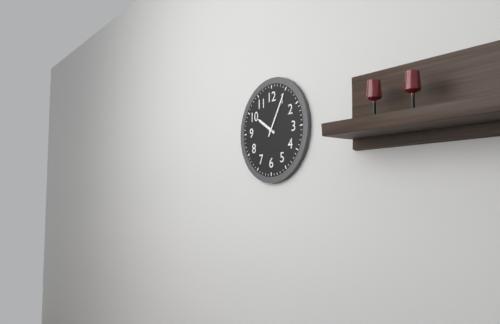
10 h 05 min
